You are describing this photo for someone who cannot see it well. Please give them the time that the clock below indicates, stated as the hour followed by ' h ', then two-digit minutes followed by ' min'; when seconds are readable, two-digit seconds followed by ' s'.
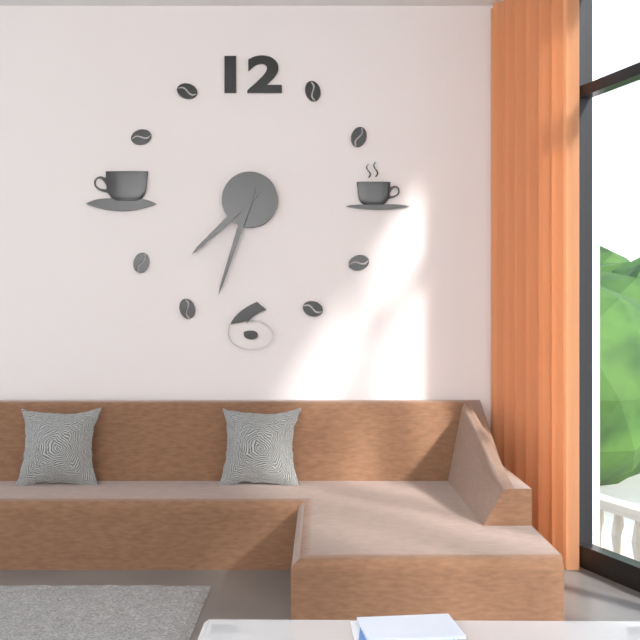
7 h 33 min
